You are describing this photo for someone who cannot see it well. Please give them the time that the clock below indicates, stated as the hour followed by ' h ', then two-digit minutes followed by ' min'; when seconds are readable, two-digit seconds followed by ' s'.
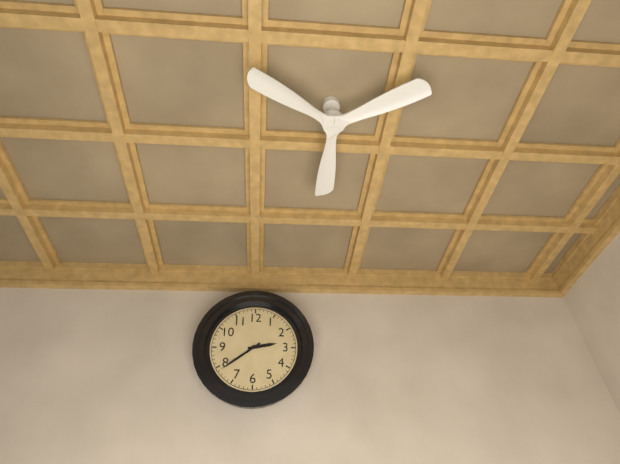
2 h 39 min
